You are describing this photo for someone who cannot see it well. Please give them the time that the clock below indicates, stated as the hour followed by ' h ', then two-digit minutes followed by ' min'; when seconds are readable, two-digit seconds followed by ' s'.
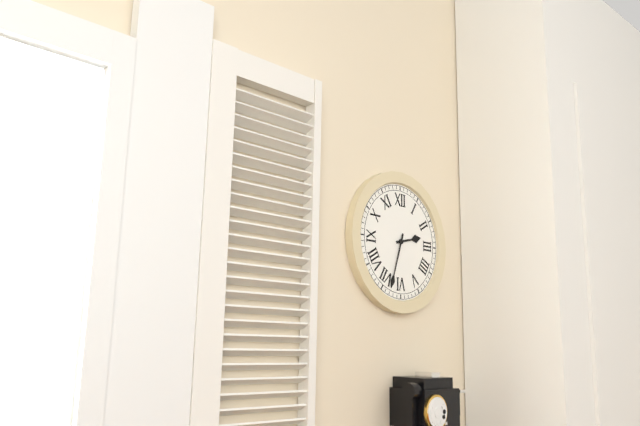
2 h 33 min
